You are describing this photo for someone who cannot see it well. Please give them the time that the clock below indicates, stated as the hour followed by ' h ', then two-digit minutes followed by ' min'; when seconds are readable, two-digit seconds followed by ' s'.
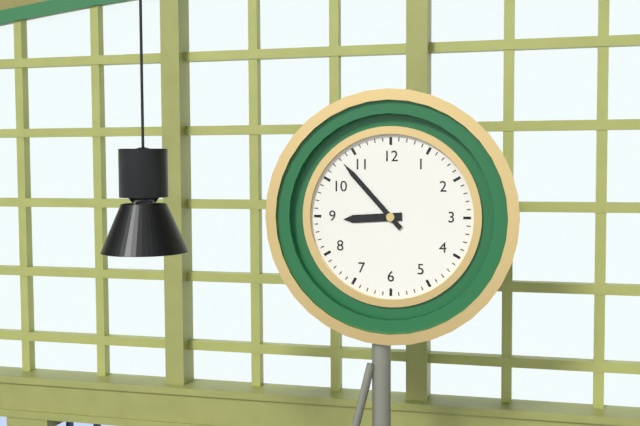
8 h 53 min
